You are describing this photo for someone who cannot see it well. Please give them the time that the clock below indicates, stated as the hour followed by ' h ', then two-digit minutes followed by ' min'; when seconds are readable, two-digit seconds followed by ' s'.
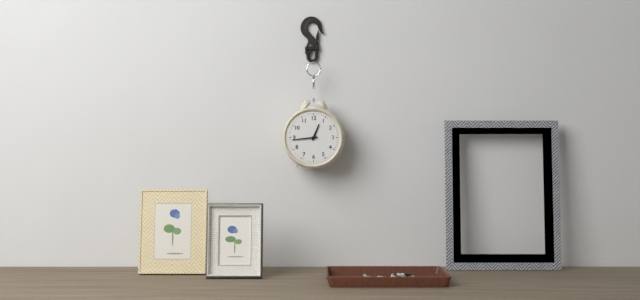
12 h 44 min
